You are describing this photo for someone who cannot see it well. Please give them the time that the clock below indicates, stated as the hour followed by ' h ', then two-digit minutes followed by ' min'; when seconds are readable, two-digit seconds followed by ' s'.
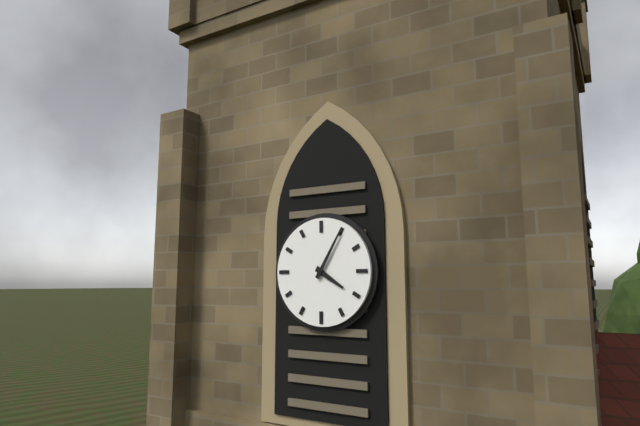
4 h 05 min
